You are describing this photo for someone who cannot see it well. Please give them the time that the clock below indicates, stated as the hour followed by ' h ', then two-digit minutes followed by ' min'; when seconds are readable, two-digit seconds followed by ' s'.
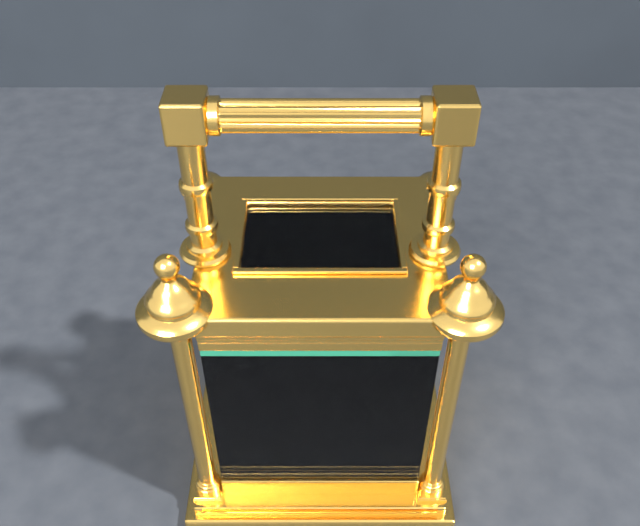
4 h 23 min
